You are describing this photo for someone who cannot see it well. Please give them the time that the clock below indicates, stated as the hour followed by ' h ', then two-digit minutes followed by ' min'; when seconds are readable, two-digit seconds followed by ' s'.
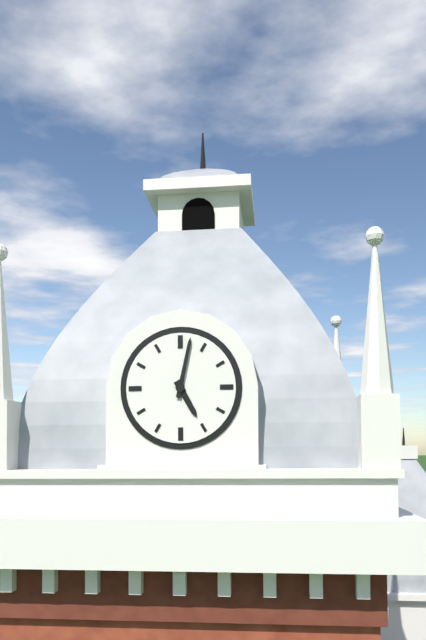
5 h 02 min
